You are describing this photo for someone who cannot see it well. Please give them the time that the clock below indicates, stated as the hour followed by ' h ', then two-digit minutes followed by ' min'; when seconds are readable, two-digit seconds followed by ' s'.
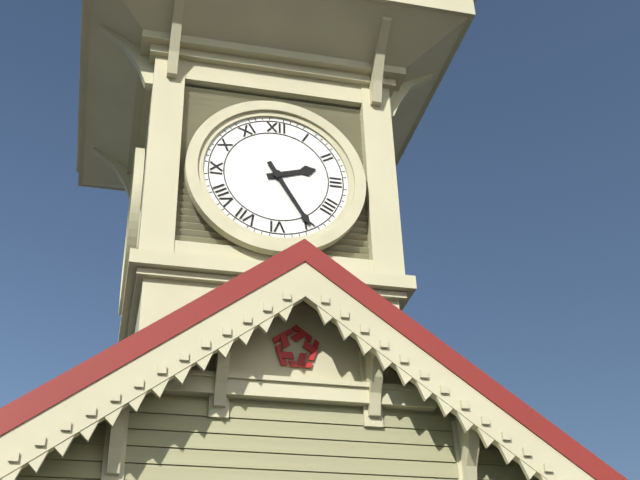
2 h 25 min
